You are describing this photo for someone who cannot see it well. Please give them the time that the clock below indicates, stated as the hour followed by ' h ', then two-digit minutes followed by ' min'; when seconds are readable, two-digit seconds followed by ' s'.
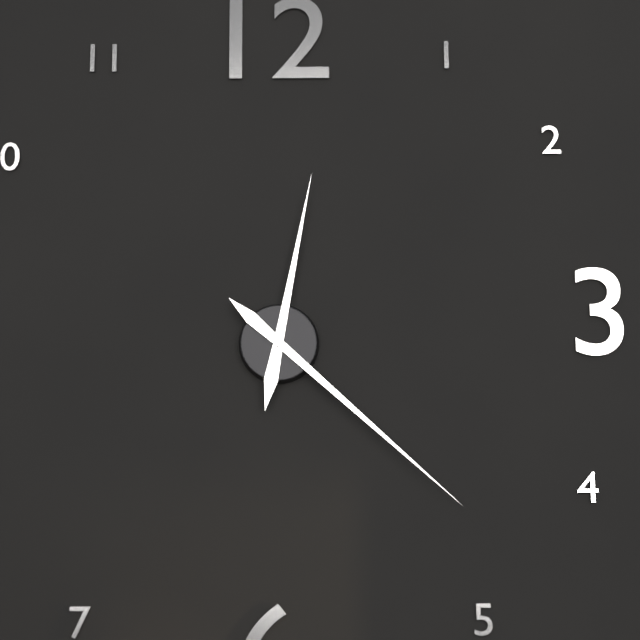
12 h 22 min
